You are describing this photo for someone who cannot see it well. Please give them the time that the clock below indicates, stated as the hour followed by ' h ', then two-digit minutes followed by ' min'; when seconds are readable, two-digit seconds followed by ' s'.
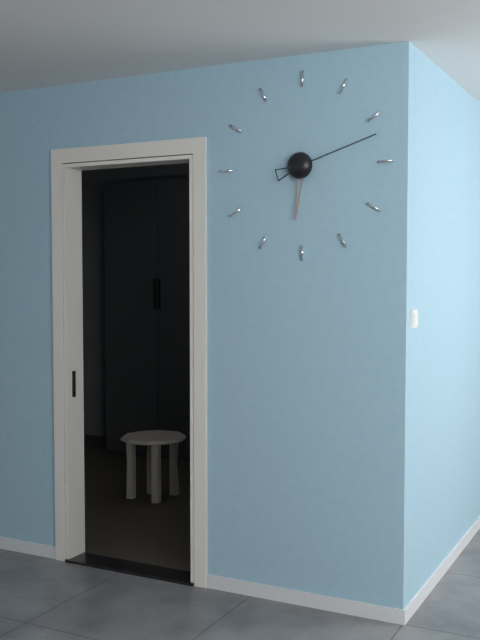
6 h 12 min
